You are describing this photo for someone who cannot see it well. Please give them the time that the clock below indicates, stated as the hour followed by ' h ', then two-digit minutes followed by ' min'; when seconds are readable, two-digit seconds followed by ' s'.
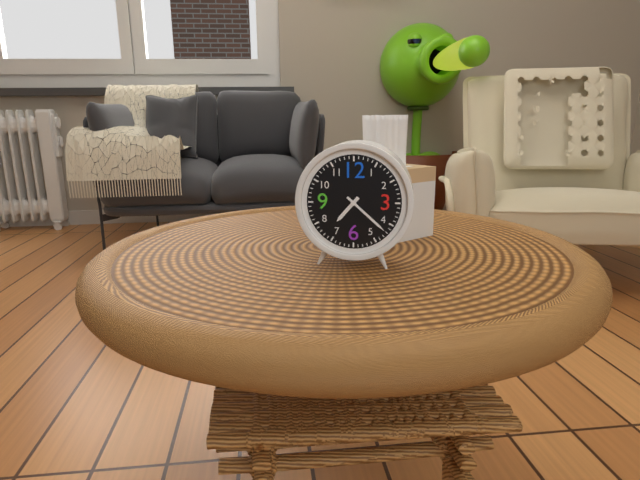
7 h 22 min
